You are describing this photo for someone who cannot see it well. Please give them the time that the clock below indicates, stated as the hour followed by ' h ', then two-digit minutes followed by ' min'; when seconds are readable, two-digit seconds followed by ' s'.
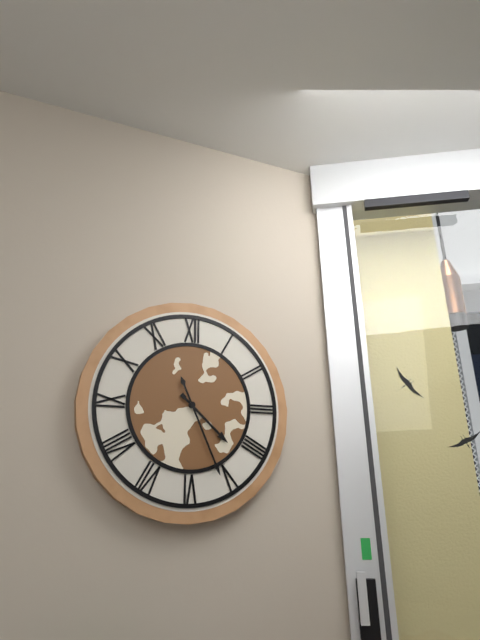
4 h 26 min
